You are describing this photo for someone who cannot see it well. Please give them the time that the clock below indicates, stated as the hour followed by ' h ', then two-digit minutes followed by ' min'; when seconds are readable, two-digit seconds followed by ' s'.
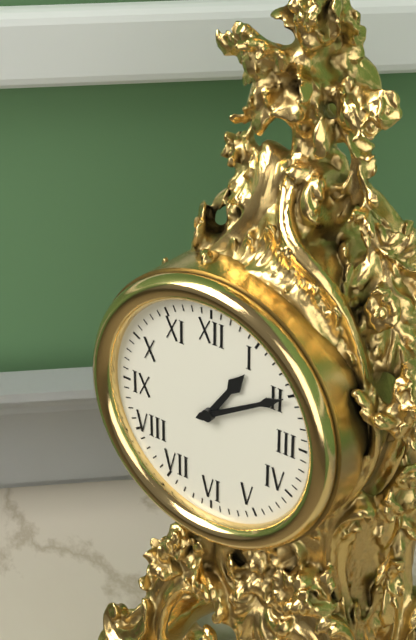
1 h 10 min
